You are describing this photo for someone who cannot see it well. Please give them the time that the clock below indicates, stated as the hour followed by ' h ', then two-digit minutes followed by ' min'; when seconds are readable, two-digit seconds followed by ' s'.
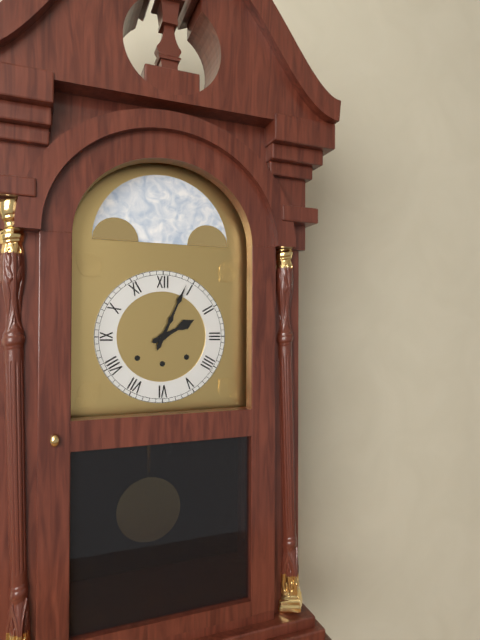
2 h 04 min
